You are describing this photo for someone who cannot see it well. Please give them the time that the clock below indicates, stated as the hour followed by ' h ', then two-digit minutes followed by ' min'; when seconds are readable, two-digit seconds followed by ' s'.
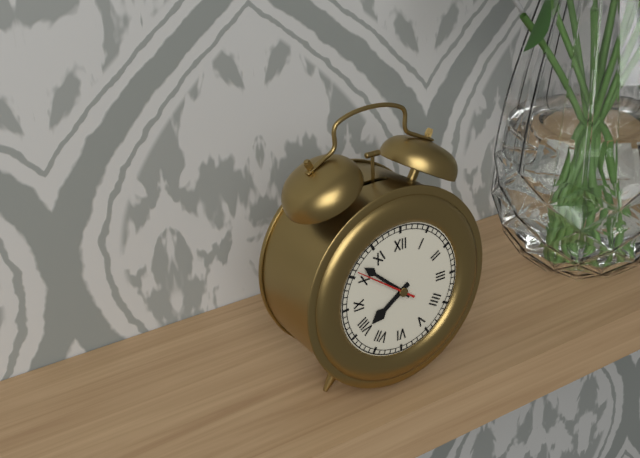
7 h 52 min 51 s
